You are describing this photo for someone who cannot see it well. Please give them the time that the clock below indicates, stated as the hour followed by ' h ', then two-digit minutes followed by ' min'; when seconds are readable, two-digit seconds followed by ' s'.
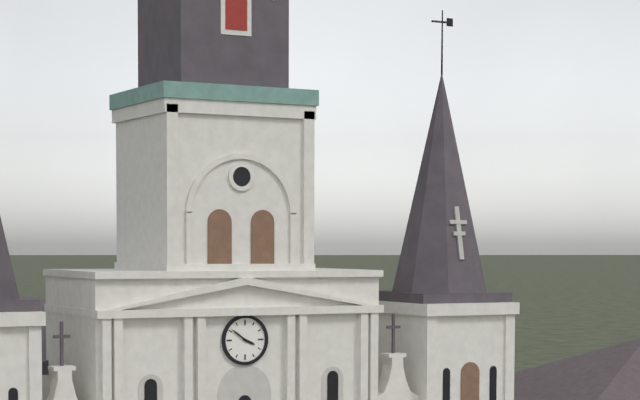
3 h 51 min
